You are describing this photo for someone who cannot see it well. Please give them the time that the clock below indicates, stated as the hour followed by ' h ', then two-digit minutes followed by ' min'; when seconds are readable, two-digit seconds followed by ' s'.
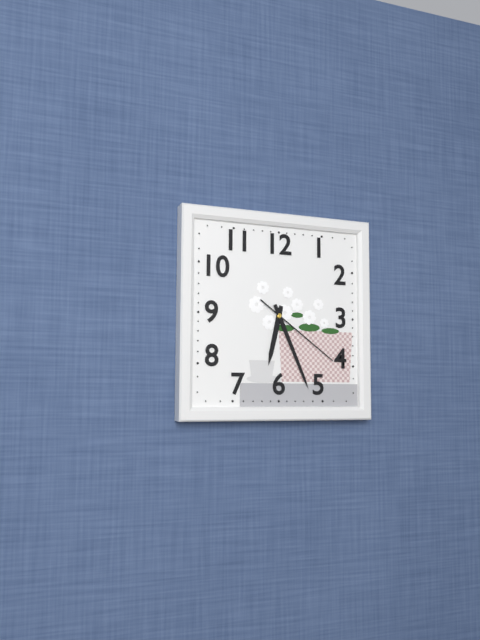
6 h 26 min 21 s
